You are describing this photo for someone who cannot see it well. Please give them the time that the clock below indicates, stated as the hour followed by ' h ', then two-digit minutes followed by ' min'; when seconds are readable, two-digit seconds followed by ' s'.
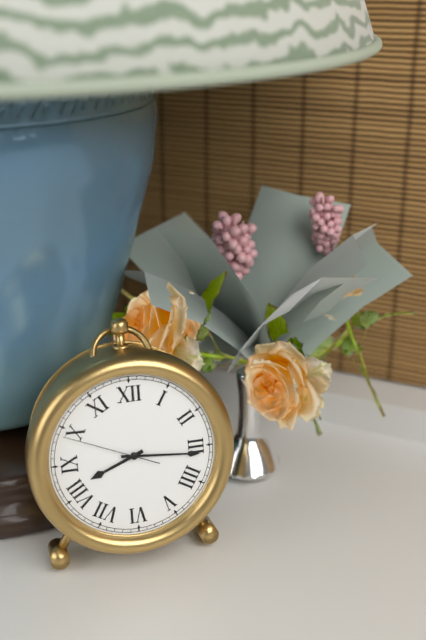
8 h 16 min 49 s
